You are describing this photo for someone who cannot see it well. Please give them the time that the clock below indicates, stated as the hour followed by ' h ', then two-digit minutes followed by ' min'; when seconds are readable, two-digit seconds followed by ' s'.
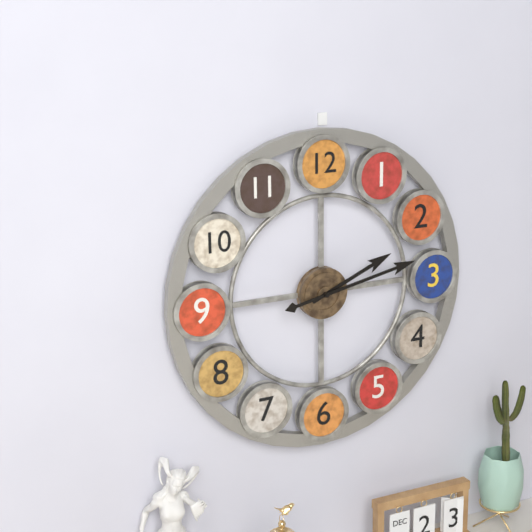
2 h 13 min
